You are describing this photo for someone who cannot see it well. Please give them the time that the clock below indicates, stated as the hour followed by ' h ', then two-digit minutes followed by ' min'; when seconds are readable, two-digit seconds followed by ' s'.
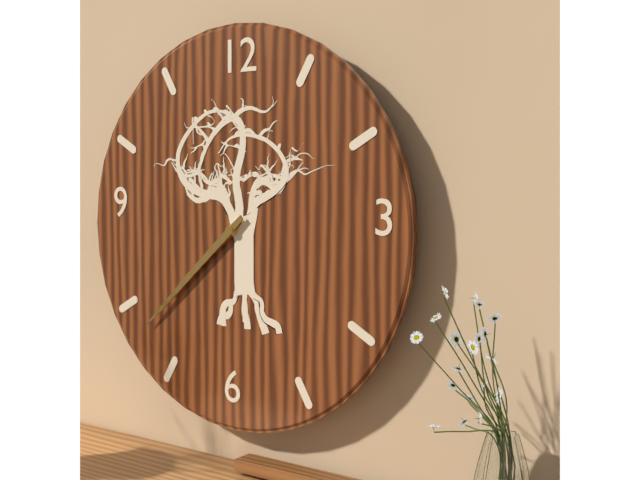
7 h 38 min
